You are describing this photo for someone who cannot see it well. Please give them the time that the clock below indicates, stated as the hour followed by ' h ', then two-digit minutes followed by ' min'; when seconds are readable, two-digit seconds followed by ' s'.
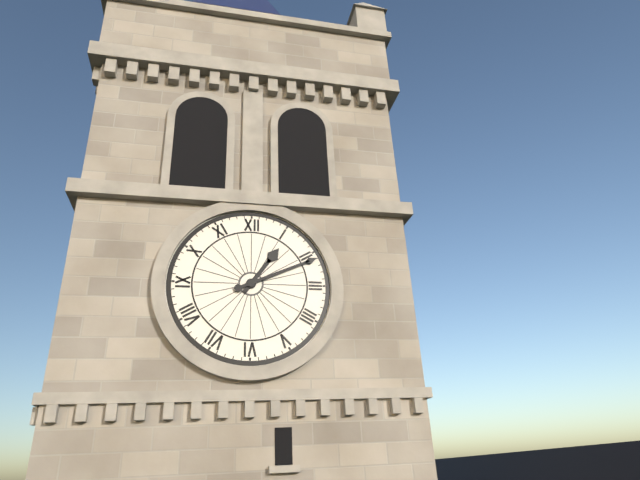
1 h 11 min
